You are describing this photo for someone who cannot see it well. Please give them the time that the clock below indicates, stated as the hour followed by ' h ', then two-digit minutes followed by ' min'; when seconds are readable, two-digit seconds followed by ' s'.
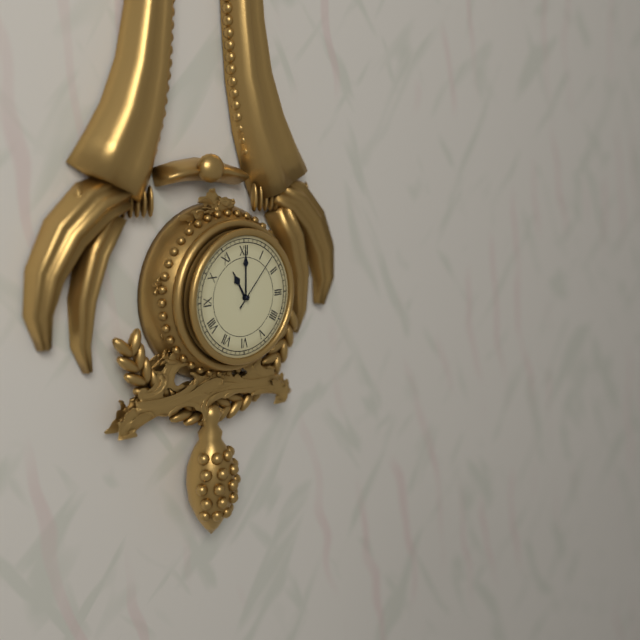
11 h 00 min 07 s
